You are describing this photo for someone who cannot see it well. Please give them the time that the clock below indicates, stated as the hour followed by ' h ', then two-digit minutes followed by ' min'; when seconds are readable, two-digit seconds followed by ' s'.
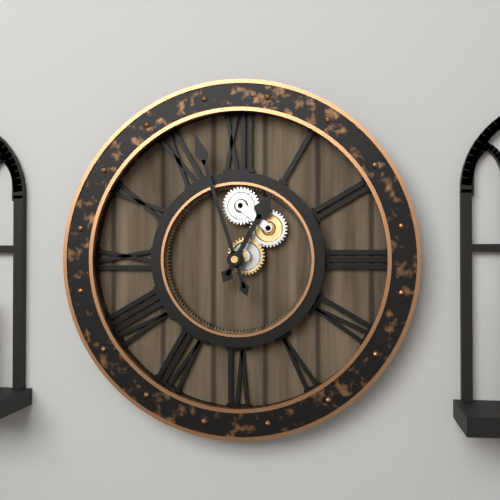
12 h 57 min
